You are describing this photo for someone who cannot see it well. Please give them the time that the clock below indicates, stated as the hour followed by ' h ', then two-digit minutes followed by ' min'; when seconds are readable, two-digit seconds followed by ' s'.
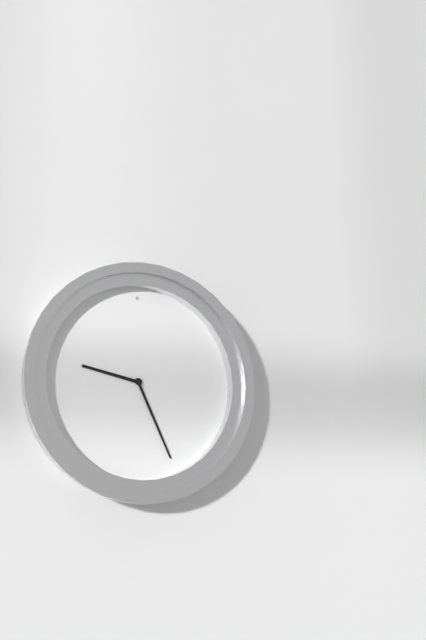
9 h 26 min
